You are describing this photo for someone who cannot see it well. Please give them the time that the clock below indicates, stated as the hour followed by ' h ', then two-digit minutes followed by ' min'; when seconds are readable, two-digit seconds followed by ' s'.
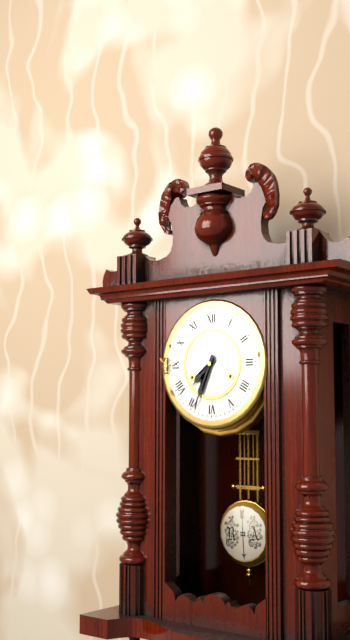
7 h 34 min
